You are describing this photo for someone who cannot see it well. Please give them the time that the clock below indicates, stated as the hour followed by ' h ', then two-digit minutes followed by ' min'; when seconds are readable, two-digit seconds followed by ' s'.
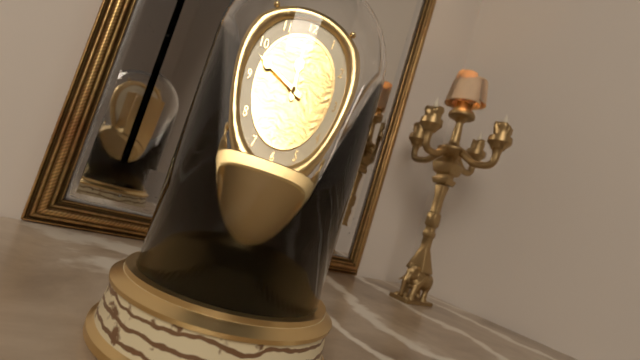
11 h 48 min
